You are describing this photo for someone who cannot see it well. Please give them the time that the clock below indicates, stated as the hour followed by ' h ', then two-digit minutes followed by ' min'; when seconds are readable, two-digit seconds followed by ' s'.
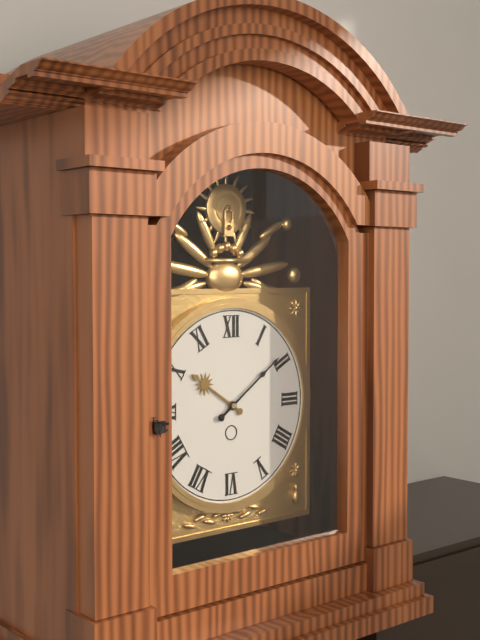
10 h 09 min
